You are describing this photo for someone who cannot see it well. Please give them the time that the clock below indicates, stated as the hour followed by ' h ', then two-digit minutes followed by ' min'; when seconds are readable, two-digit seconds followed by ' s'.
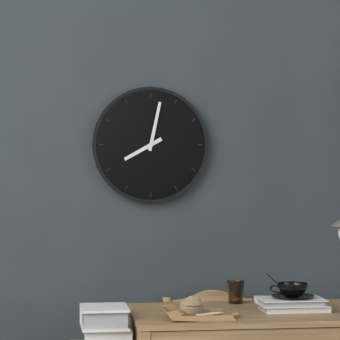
8 h 02 min
